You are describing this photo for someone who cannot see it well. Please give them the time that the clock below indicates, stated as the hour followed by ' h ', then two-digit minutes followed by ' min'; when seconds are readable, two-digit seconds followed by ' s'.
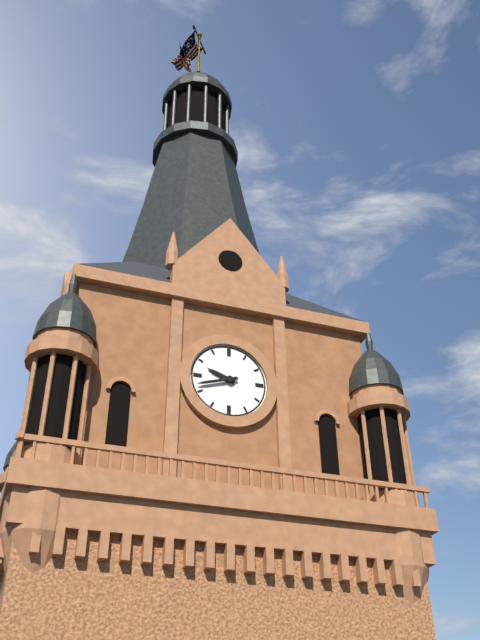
9 h 42 min
